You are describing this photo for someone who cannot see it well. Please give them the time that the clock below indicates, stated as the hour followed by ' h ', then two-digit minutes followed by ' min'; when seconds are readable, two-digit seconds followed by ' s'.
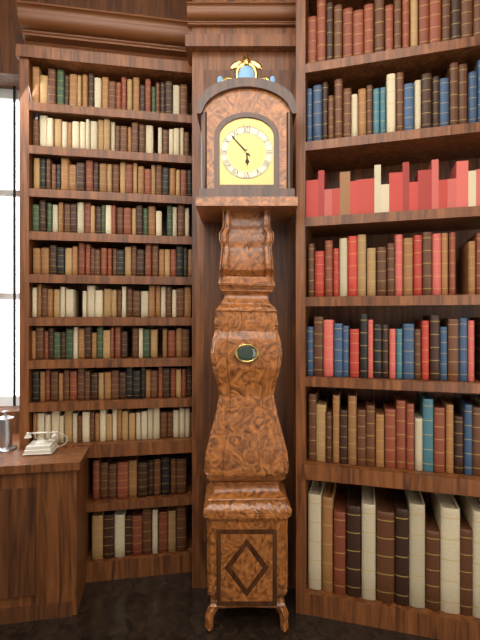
5 h 53 min
